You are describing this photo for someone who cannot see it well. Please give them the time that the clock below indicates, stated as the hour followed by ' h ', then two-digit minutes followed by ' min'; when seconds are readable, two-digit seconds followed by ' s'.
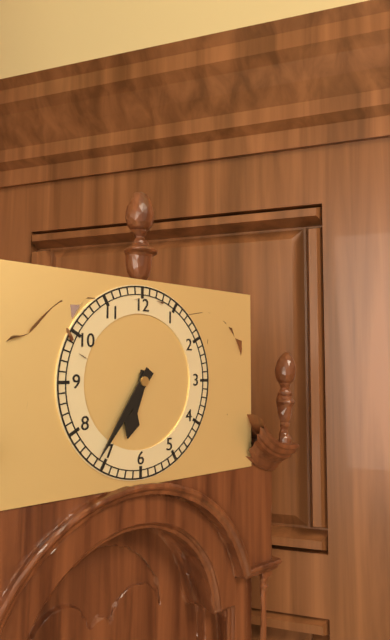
6 h 36 min
